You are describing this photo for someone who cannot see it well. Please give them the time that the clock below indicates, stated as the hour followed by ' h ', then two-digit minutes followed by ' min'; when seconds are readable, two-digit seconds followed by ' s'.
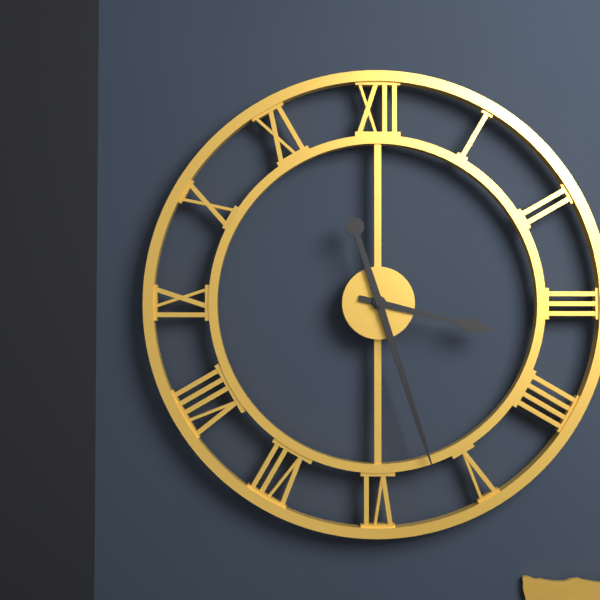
3 h 27 min
